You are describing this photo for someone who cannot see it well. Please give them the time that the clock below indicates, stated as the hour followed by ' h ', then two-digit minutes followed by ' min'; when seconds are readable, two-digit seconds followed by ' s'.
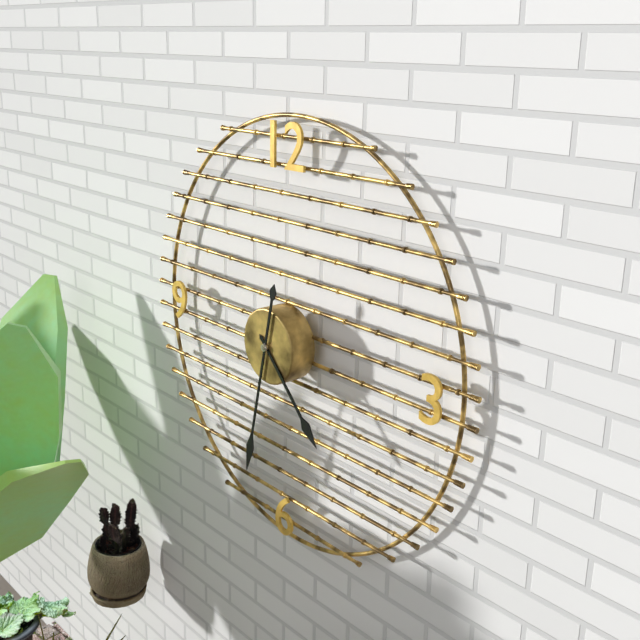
4 h 32 min
